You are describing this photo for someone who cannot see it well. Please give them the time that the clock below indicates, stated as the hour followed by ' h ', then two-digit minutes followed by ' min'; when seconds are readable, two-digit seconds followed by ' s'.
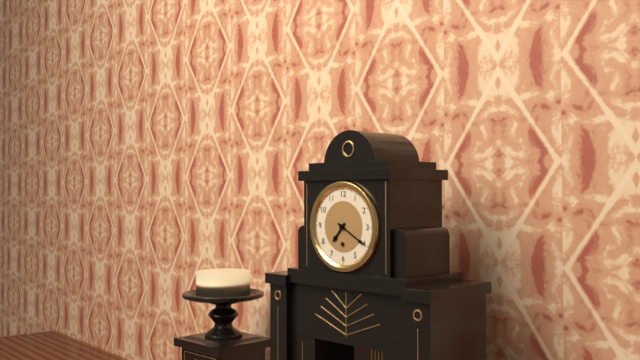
7 h 20 min
